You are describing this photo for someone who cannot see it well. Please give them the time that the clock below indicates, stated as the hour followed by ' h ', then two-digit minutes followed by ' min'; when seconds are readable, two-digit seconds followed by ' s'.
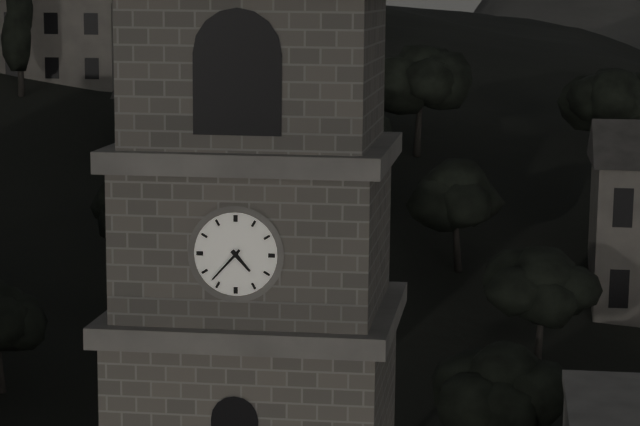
4 h 37 min
